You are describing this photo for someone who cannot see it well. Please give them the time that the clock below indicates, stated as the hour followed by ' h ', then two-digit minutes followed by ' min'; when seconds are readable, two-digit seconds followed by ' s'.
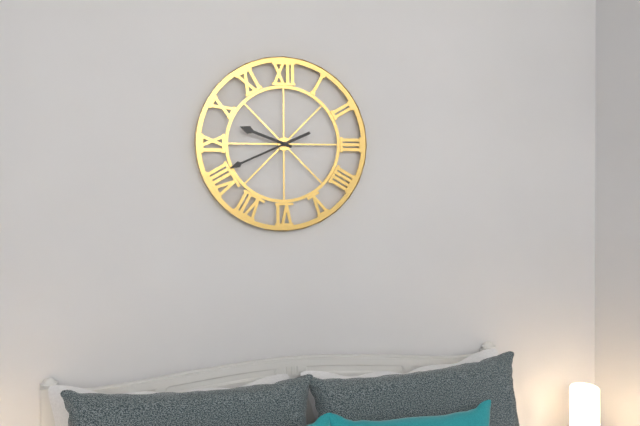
9 h 41 min
